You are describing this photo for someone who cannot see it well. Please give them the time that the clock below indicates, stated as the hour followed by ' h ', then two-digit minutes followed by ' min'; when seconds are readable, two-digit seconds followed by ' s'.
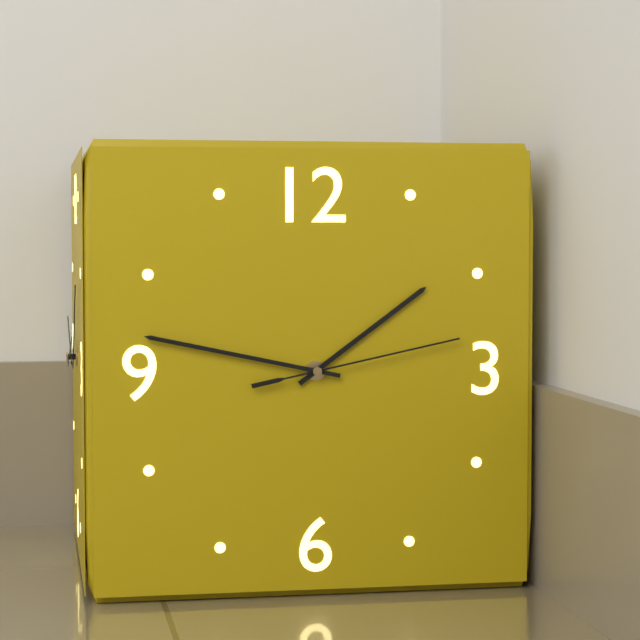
1 h 47 min 13 s
